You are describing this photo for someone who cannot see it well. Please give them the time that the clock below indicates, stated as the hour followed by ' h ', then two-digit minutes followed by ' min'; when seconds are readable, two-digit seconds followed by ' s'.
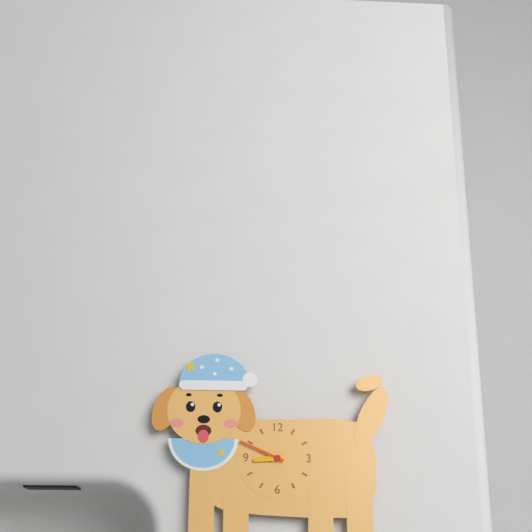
8 h 49 min
